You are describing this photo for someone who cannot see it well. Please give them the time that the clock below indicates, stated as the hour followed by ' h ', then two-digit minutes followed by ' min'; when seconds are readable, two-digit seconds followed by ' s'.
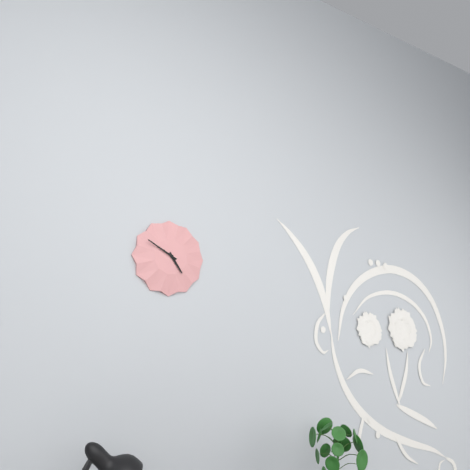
4 h 50 min
